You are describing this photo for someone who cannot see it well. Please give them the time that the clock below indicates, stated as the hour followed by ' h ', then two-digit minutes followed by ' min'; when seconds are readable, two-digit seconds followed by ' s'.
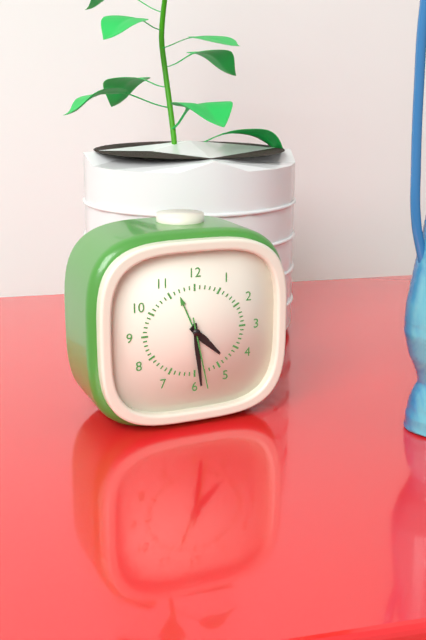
4 h 29 min 28 s
